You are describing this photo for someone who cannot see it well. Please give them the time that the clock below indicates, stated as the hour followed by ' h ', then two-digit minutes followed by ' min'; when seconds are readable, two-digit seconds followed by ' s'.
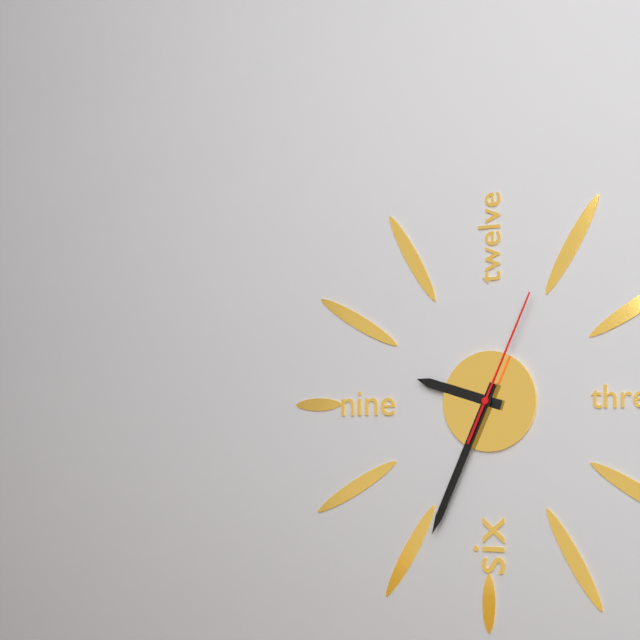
9 h 34 min 04 s
